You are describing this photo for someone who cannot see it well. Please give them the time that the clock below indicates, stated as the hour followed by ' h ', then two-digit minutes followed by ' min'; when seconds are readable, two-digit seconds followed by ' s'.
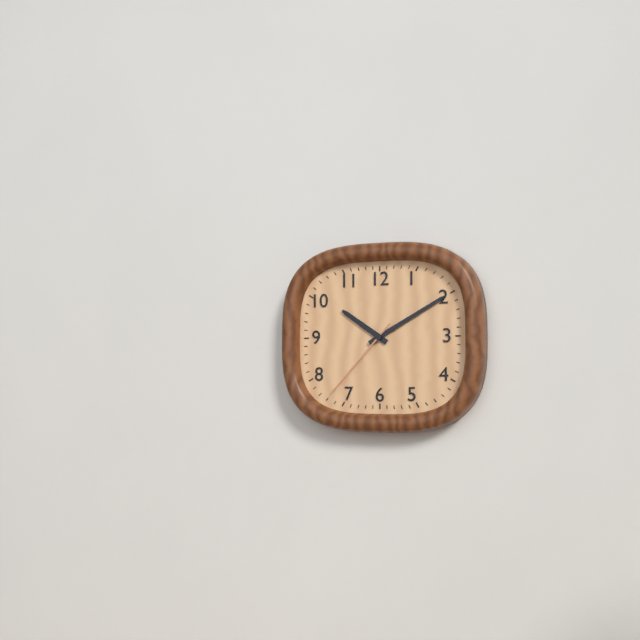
10 h 10 min 37 s
